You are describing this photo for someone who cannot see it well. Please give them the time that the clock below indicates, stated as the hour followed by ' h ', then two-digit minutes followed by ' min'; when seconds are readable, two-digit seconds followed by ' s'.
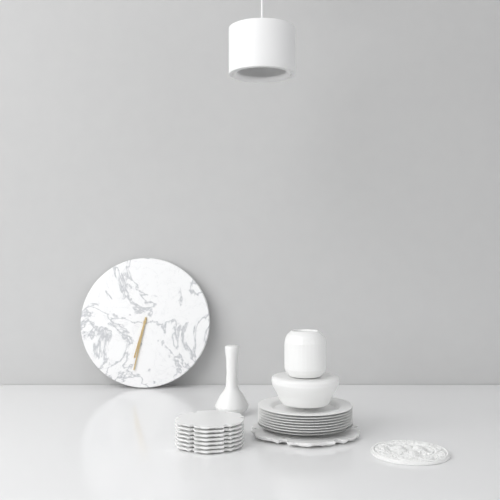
6 h 32 min
